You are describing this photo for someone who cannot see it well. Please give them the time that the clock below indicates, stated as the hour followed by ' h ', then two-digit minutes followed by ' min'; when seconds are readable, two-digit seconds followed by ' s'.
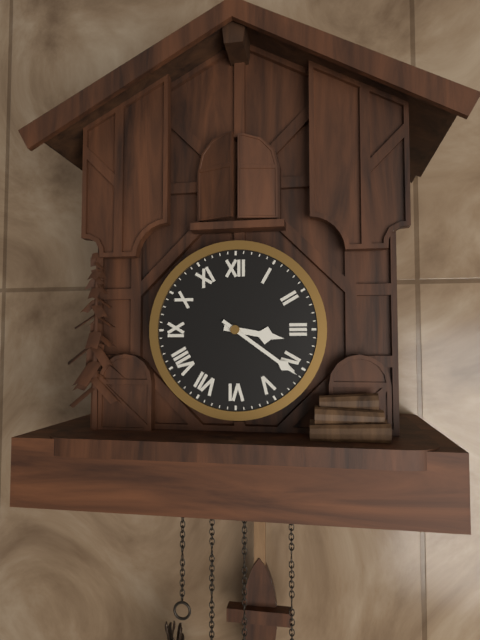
3 h 21 min
